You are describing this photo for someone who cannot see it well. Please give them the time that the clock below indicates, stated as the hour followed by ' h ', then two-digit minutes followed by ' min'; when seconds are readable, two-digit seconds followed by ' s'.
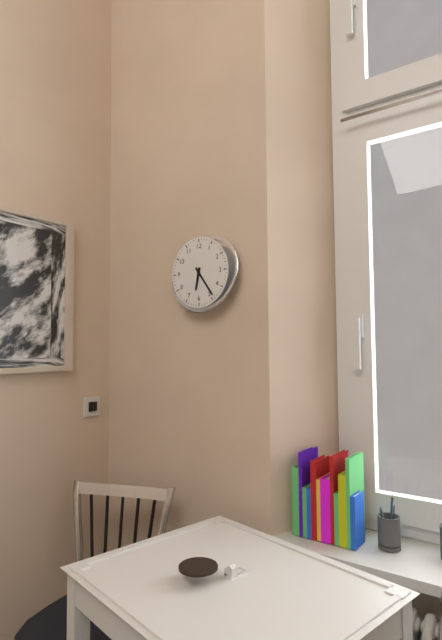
6 h 24 min
